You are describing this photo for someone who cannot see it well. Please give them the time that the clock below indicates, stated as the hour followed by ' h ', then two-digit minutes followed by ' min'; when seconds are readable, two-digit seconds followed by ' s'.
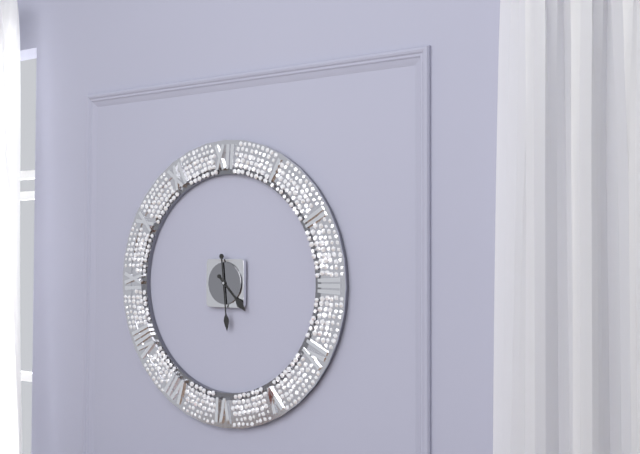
4 h 29 min
